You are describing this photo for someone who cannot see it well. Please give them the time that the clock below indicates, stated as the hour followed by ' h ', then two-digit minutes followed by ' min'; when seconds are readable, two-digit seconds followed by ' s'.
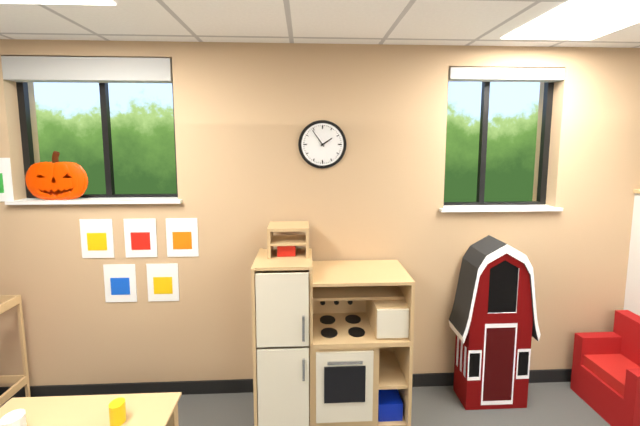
1 h 54 min
